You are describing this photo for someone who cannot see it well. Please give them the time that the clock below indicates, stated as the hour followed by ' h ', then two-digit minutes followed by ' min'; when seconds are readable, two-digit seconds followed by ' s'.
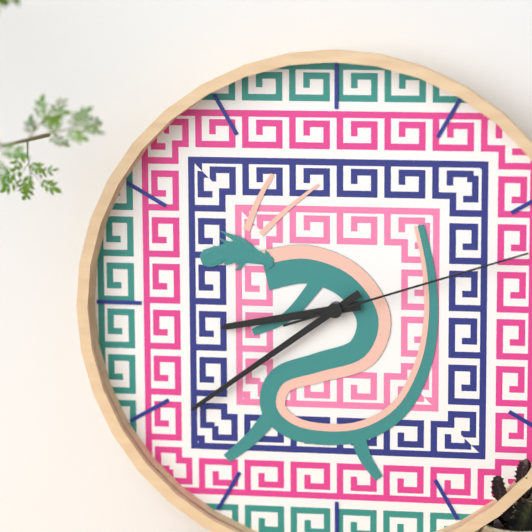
8 h 39 min 12 s
